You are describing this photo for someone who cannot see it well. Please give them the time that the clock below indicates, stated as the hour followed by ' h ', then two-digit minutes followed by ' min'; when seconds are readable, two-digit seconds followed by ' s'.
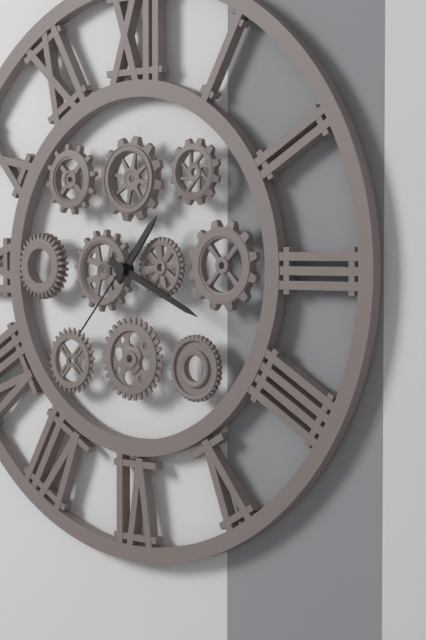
1 h 19 min 37 s
